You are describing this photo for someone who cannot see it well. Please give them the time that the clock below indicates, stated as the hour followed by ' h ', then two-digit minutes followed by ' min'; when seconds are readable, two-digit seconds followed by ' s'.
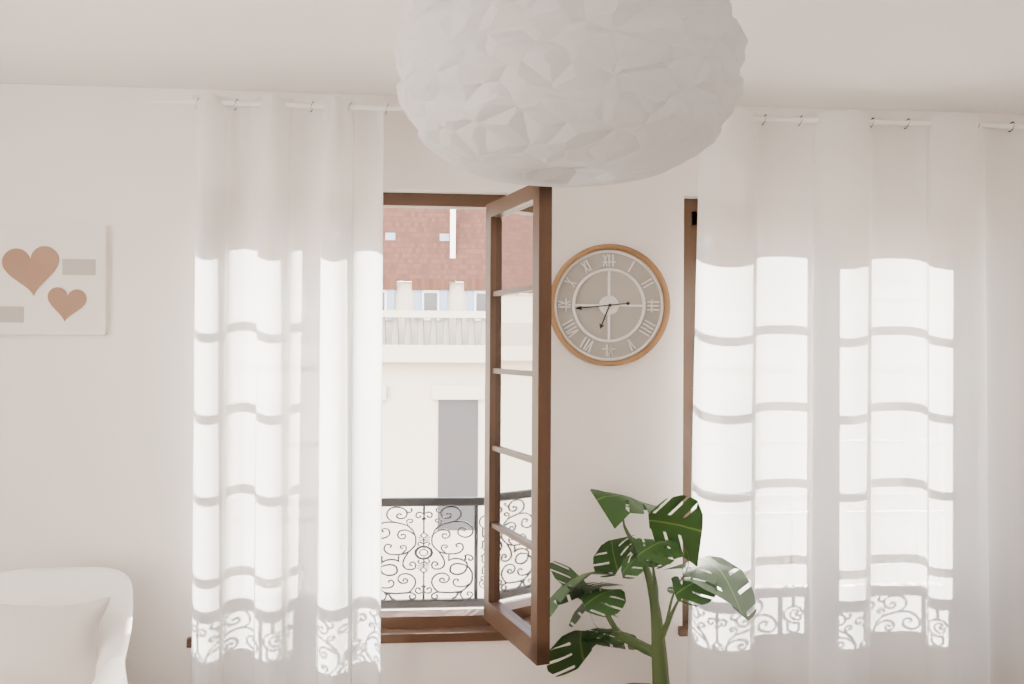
6 h 44 min
